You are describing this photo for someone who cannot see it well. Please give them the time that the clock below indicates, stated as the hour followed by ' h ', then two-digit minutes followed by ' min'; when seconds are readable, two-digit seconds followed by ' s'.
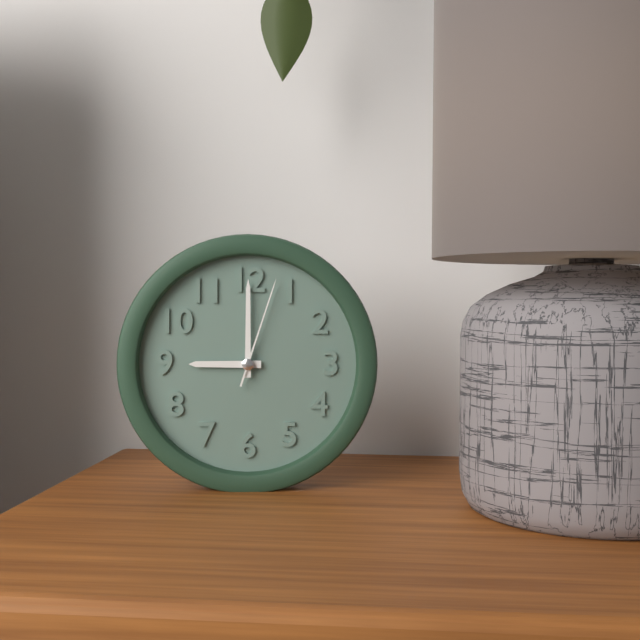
9 h 00 min 03 s
